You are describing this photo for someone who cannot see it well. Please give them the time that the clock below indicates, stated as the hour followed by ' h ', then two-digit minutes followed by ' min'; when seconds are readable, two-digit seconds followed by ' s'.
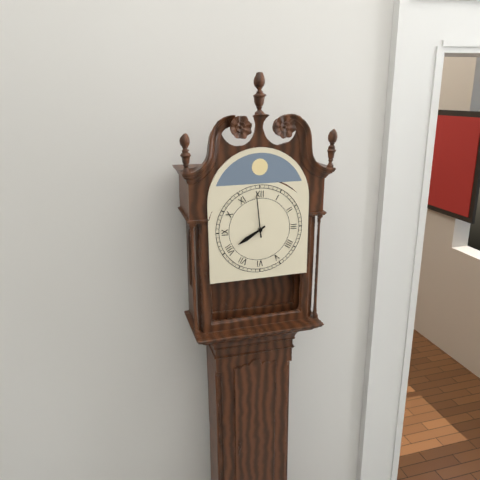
7 h 59 min
